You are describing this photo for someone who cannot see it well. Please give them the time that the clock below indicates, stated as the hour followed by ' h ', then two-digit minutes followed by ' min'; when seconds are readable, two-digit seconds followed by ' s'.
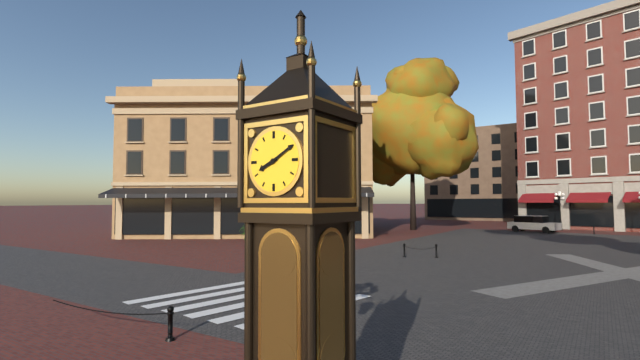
8 h 10 min
